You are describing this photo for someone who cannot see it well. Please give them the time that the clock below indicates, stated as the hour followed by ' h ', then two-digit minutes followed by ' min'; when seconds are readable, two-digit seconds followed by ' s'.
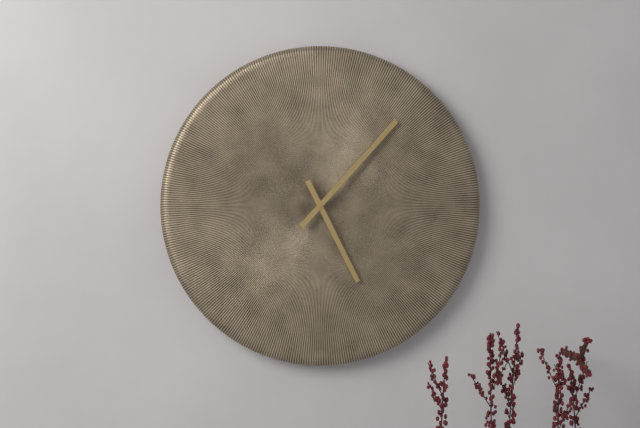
5 h 07 min
